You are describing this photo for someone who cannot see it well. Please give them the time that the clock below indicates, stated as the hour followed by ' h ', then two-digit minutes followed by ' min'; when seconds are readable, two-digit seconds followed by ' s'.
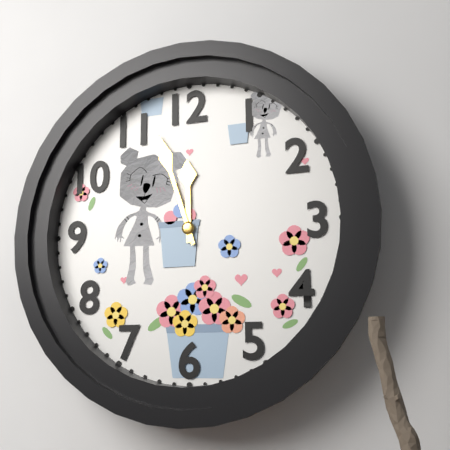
11 h 57 min
